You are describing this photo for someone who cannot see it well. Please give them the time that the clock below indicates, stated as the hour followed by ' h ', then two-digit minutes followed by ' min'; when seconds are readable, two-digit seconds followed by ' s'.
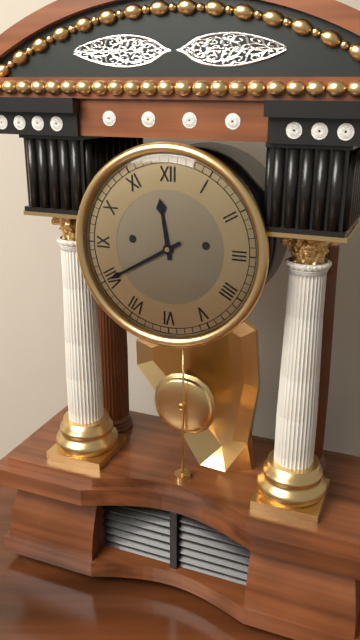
11 h 40 min
